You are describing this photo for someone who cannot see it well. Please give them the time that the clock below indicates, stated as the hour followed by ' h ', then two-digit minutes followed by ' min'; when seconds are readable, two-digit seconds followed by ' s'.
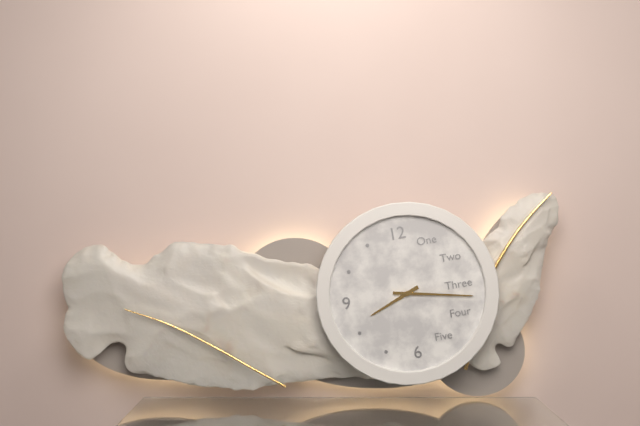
8 h 17 min
